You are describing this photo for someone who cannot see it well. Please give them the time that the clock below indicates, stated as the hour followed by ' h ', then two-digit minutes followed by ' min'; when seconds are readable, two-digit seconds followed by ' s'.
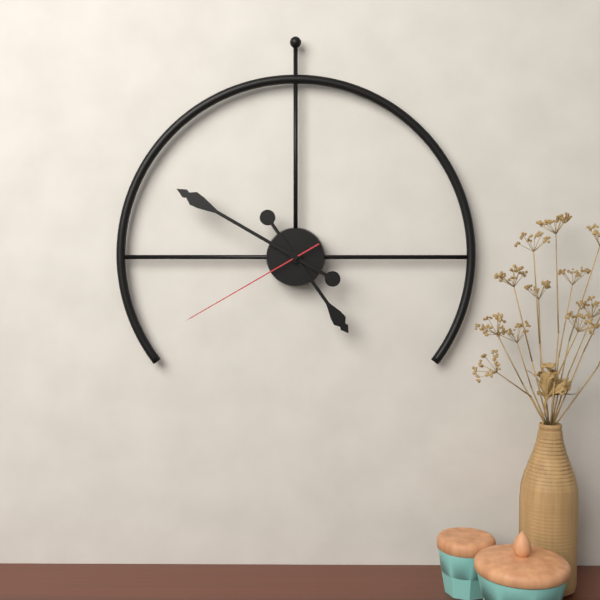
4 h 50 min 40 s
